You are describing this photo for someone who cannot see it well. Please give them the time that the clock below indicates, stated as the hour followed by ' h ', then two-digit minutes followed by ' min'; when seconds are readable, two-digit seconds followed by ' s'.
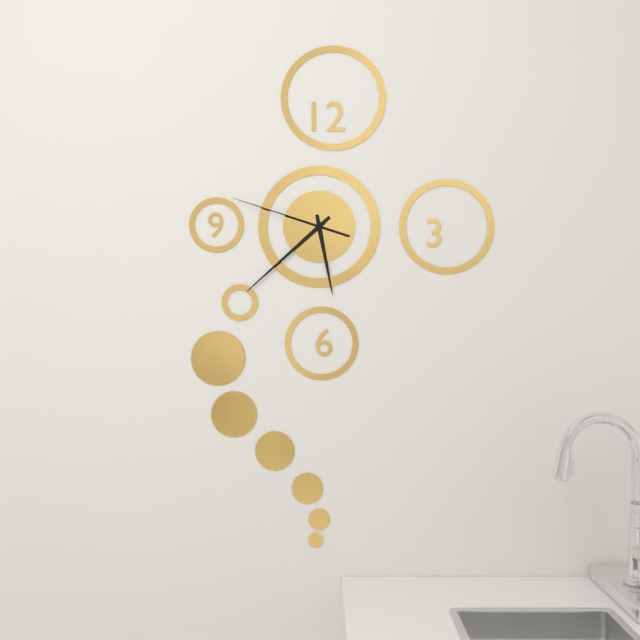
5 h 38 min 48 s
